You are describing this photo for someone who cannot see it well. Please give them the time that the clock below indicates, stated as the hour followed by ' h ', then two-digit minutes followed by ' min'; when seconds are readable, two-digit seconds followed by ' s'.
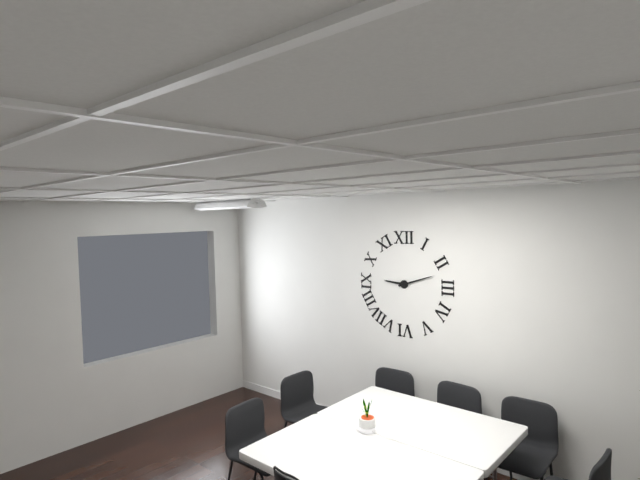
9 h 12 min
